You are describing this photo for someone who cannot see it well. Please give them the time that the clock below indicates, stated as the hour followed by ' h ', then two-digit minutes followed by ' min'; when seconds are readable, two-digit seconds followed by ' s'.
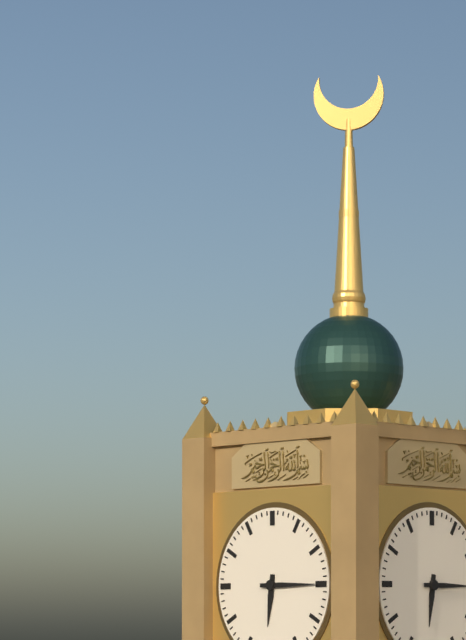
6 h 15 min
